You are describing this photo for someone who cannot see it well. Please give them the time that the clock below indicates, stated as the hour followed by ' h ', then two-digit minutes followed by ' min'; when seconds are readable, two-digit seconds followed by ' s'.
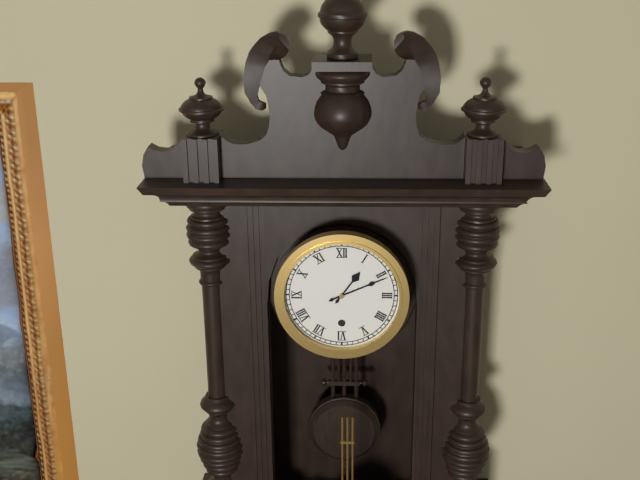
1 h 11 min
